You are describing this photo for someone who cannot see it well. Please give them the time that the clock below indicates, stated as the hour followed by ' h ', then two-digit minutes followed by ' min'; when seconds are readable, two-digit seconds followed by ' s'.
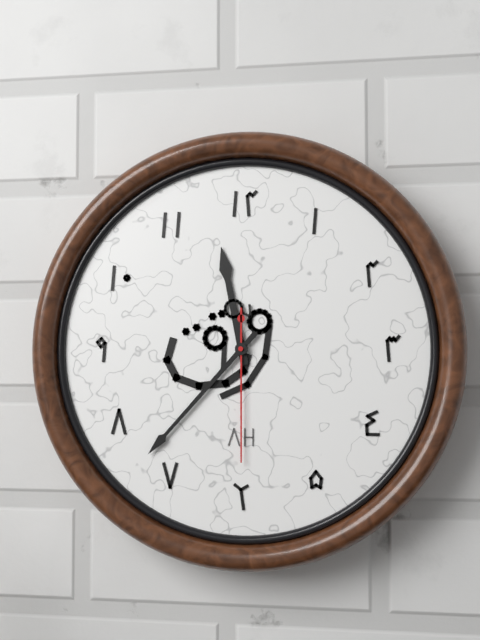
11 h 37 min 30 s
